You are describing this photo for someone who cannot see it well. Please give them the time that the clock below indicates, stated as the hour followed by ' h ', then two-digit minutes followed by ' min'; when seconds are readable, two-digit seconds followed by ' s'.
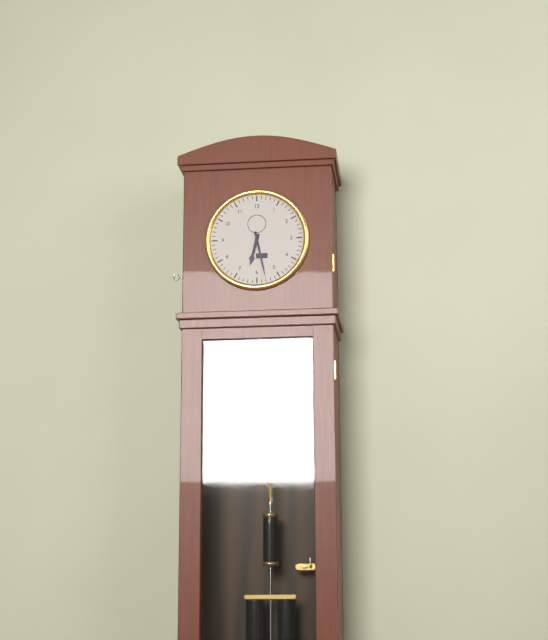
6 h 28 min
